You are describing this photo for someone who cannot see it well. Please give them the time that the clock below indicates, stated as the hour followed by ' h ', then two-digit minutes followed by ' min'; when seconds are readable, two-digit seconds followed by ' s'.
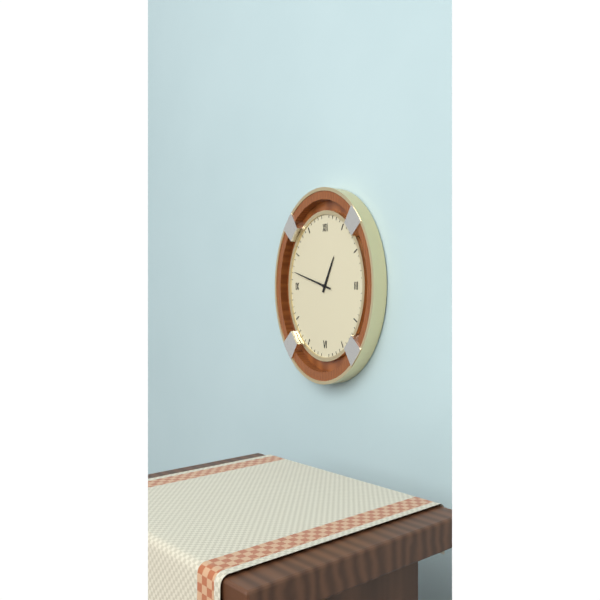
12 h 48 min
